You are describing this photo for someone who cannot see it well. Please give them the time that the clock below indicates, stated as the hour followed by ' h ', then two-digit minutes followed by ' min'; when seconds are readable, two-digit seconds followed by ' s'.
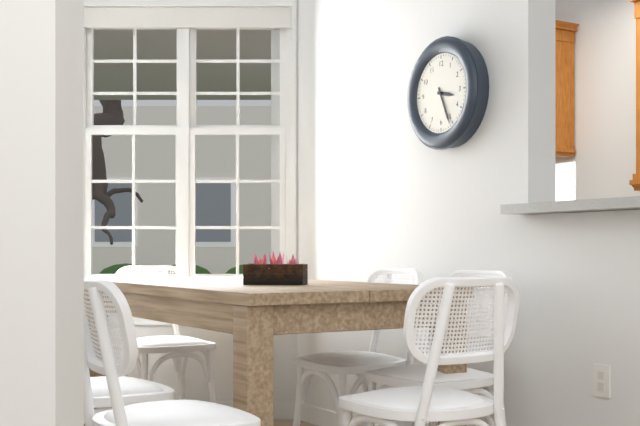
3 h 26 min
